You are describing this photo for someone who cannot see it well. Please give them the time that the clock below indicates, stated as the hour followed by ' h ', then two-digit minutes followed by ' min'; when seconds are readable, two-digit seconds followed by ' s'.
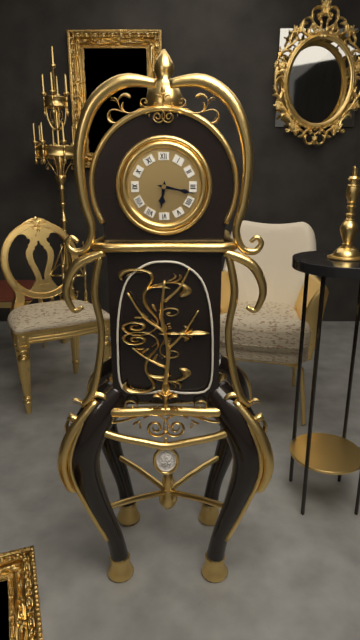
6 h 17 min
